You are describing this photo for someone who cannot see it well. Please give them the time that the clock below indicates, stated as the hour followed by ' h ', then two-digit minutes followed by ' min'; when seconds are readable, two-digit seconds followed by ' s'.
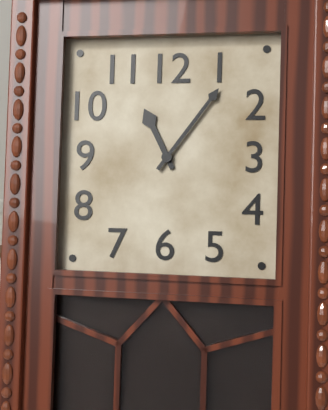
11 h 06 min
